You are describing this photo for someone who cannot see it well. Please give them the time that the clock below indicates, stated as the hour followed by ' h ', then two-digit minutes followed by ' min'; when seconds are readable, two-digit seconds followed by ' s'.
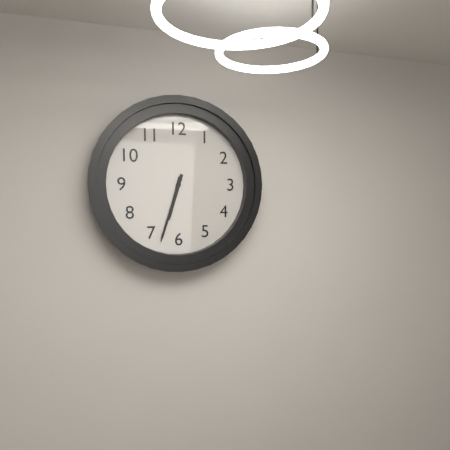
6 h 33 min
